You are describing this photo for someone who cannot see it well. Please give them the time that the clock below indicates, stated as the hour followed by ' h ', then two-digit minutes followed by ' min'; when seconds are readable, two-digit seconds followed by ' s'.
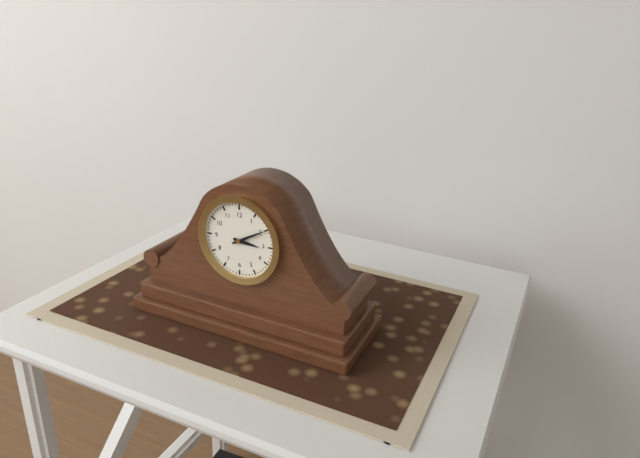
3 h 10 min
